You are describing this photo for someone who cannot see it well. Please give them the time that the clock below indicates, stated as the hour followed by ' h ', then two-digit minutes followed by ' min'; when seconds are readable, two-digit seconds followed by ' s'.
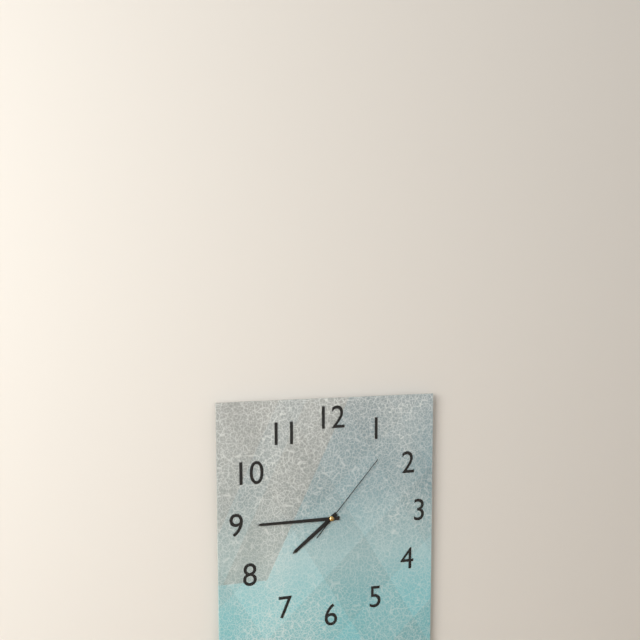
7 h 45 min 07 s
